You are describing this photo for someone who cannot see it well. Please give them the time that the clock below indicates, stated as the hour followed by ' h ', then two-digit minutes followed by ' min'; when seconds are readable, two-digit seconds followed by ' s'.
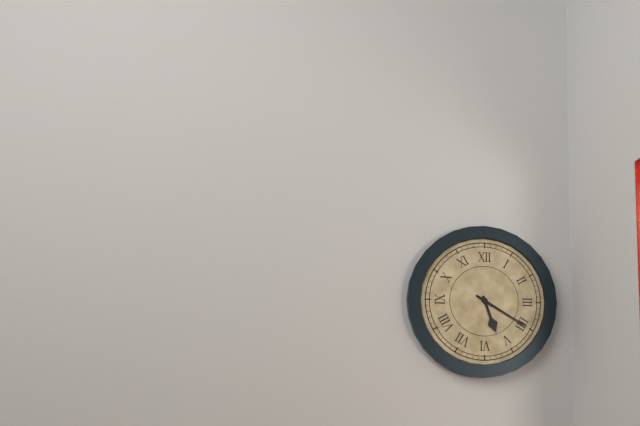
5 h 20 min
